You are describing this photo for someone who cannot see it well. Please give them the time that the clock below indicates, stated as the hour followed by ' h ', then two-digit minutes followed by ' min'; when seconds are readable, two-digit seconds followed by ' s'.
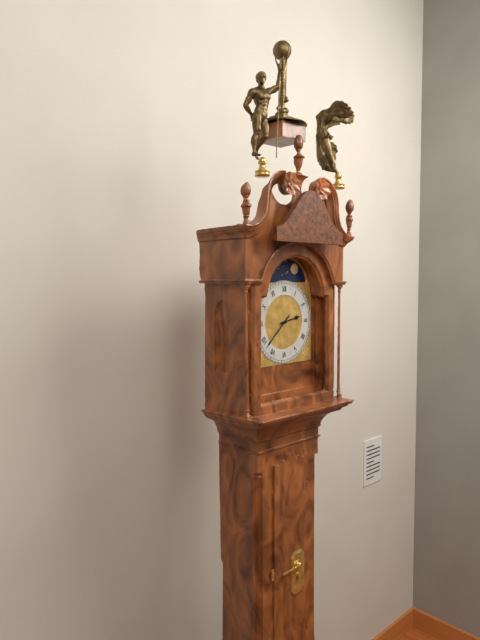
2 h 38 min
